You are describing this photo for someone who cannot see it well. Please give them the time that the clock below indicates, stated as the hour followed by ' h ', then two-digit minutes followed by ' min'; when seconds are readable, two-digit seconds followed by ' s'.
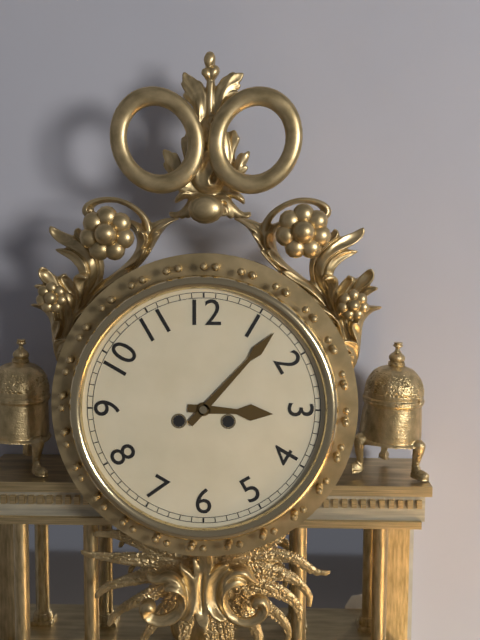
3 h 07 min
